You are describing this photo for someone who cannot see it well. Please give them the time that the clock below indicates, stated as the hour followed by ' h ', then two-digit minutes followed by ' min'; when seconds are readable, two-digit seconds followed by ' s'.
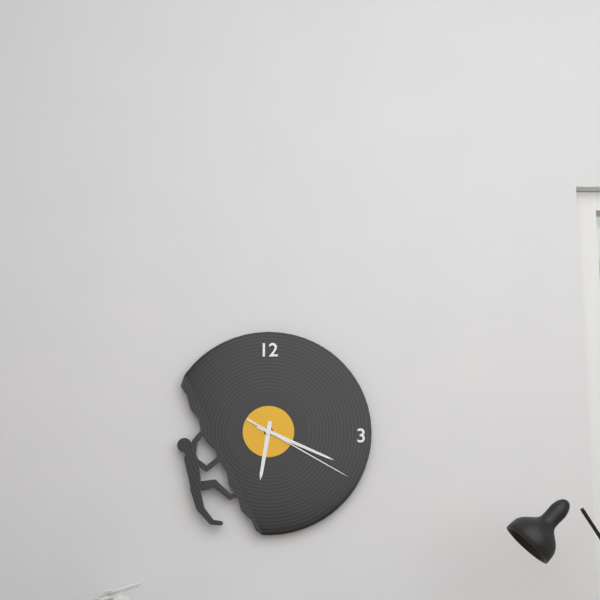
6 h 19 min 20 s
